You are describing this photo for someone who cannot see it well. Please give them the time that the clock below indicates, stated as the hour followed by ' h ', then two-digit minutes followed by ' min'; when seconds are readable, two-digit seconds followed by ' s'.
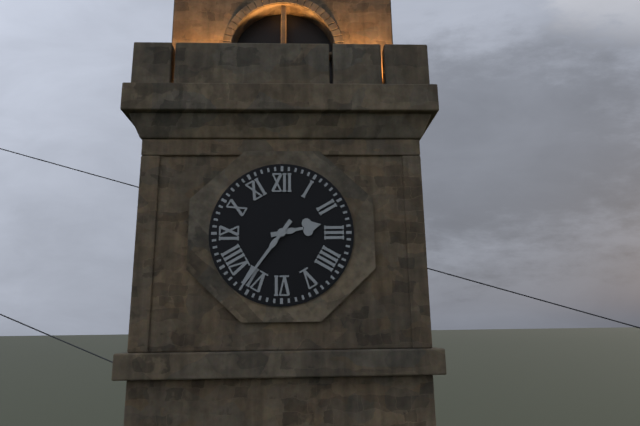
2 h 36 min
